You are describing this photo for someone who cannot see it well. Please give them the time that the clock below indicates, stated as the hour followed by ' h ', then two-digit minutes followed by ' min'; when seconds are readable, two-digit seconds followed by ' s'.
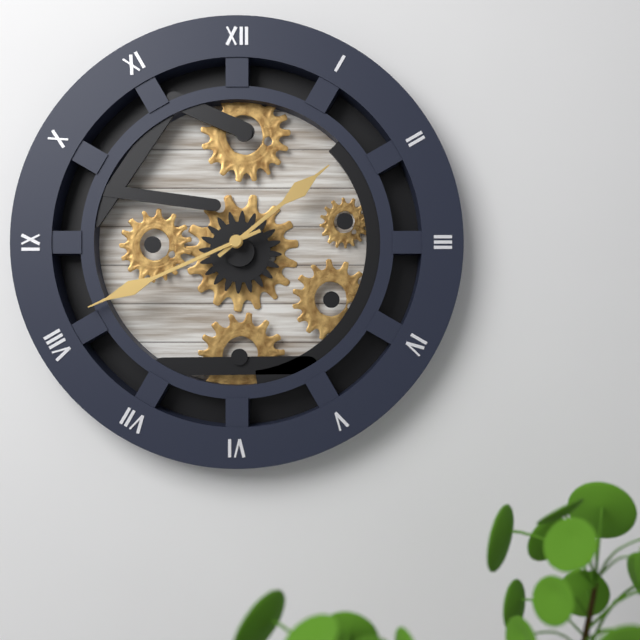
1 h 41 min
